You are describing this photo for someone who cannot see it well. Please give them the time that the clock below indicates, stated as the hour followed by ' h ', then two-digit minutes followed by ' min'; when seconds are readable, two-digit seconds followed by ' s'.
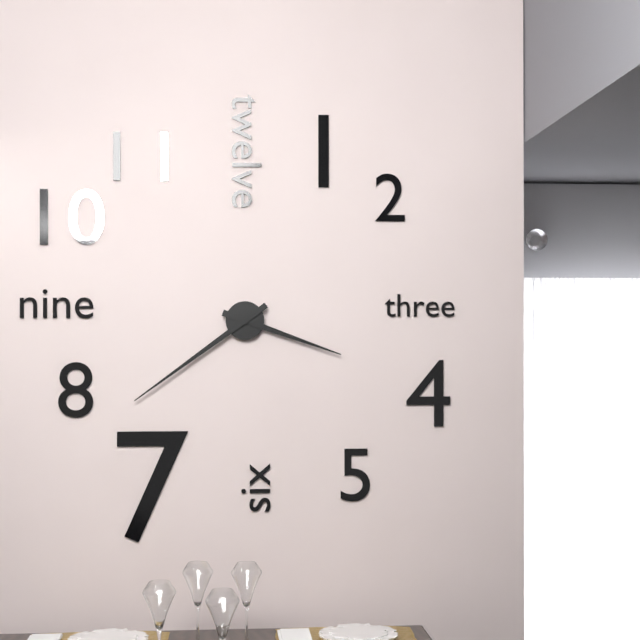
3 h 39 min
